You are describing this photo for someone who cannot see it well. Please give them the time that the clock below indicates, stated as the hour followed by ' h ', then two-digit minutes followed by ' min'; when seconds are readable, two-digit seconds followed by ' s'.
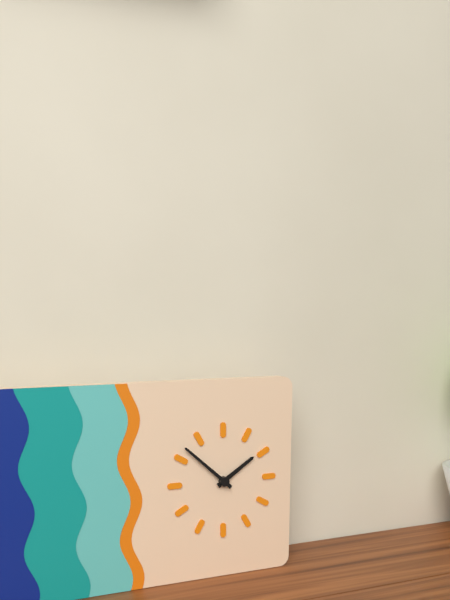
1 h 52 min
